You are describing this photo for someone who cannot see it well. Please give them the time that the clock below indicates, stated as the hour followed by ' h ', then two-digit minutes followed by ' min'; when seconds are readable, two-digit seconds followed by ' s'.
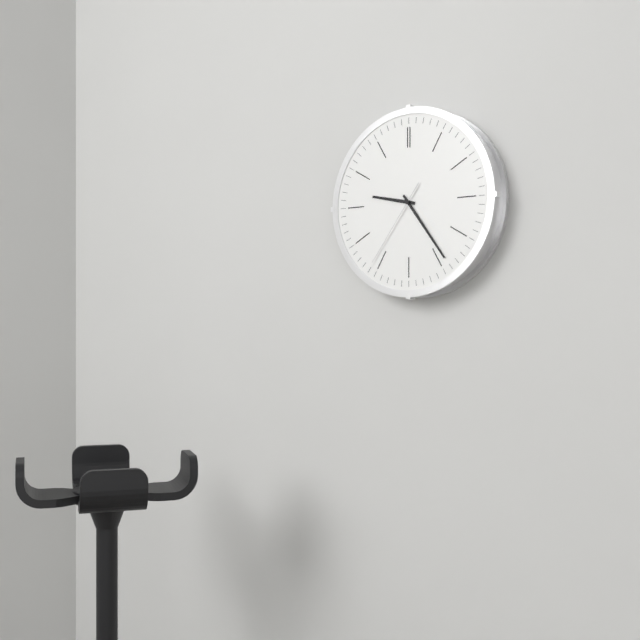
9 h 24 min 36 s
